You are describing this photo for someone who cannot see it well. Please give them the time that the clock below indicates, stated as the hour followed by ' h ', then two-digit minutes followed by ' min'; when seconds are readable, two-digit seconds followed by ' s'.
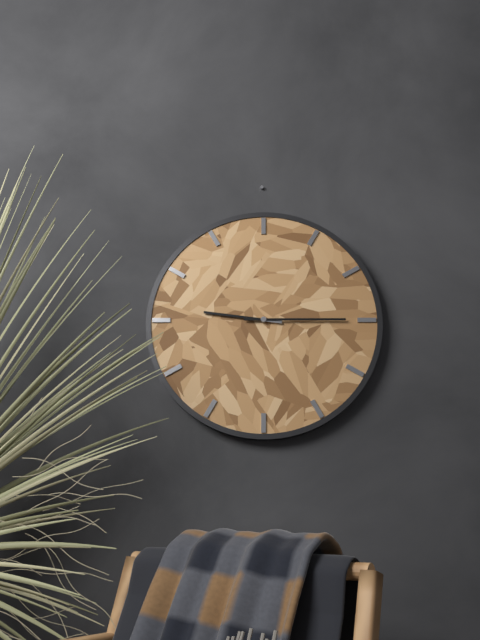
9 h 15 min
